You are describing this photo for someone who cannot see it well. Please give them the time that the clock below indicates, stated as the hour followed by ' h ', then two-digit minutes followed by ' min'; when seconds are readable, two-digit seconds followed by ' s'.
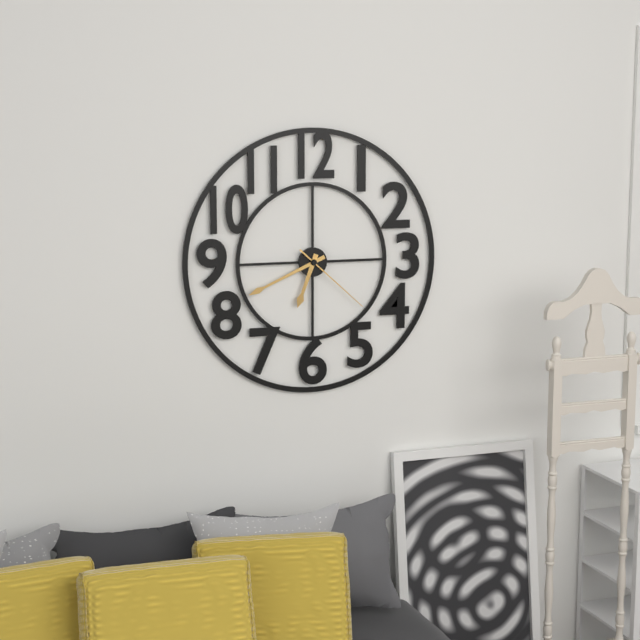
6 h 41 min 22 s
